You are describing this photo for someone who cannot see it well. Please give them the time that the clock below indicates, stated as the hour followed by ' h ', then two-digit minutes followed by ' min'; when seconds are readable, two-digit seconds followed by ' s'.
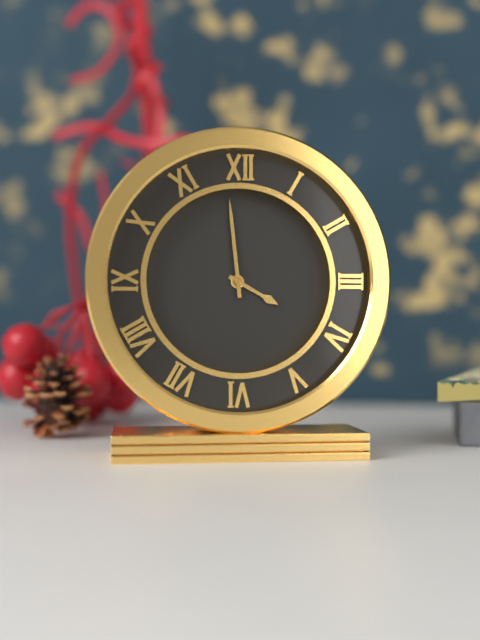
3 h 59 min
